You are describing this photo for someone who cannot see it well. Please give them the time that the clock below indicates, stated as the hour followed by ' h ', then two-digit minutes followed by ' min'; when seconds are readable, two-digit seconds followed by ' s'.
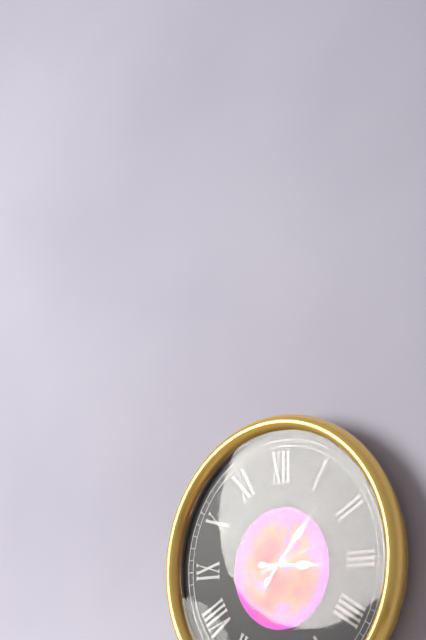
3 h 07 min 12 s
